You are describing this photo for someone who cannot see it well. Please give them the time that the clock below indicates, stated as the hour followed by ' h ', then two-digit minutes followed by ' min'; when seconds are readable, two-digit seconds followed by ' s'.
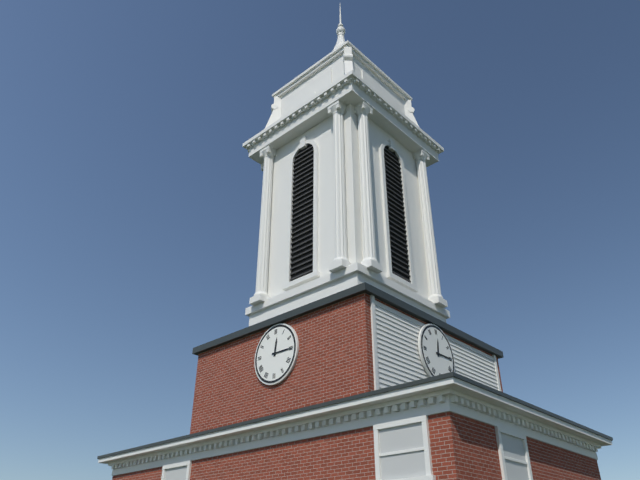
12 h 15 min
